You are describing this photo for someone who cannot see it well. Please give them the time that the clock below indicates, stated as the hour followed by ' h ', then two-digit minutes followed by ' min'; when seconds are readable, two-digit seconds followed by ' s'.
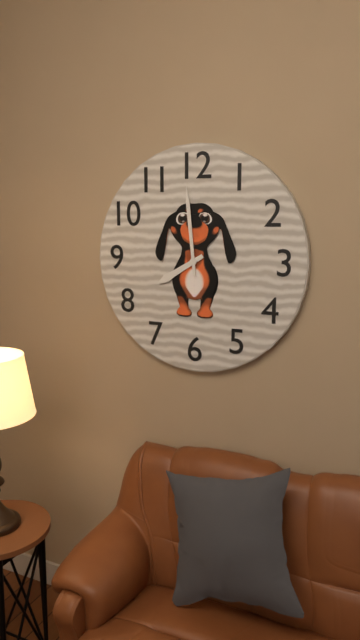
7 h 59 min
